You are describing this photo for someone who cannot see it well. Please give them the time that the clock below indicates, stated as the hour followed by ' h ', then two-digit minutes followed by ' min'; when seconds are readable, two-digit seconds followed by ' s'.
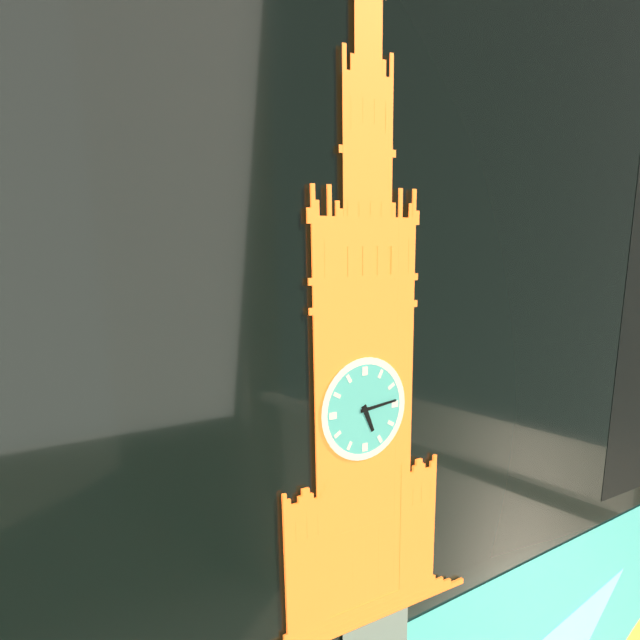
5 h 14 min
